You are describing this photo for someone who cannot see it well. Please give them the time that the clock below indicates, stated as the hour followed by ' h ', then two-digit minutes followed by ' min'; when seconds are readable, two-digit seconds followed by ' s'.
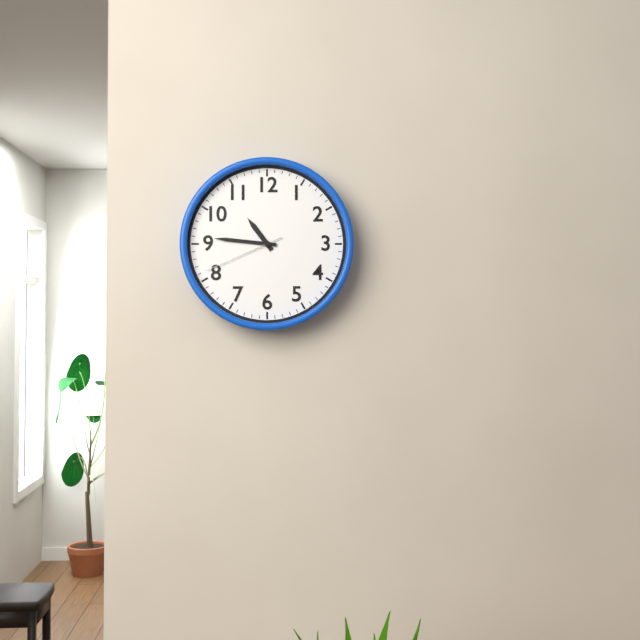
10 h 46 min 41 s
